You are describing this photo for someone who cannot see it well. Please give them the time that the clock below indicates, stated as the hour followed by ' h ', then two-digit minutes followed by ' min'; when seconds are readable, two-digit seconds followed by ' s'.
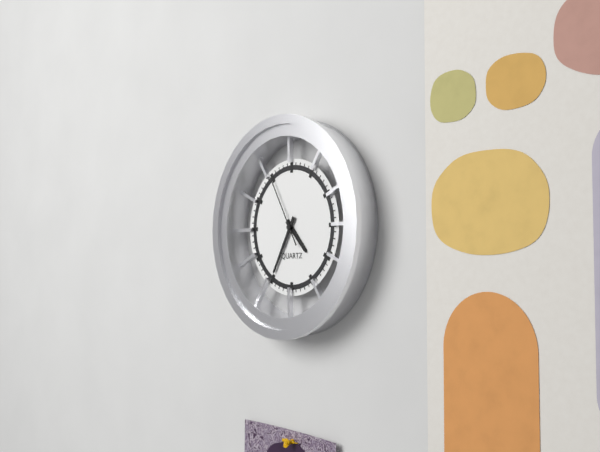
4 h 35 min 55 s
